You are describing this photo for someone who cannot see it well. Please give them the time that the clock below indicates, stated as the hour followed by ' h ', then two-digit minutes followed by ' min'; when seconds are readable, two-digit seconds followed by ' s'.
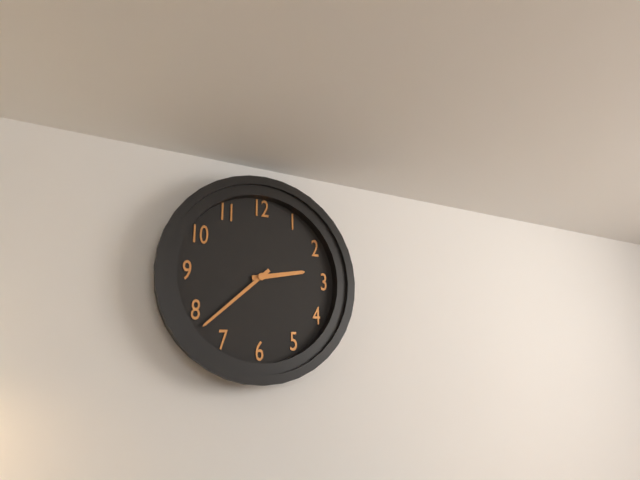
2 h 38 min
